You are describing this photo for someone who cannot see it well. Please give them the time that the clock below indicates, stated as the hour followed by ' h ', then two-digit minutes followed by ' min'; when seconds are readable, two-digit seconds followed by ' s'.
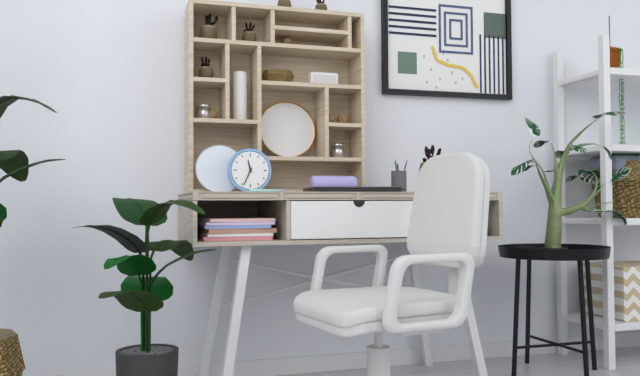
11 h 34 min
